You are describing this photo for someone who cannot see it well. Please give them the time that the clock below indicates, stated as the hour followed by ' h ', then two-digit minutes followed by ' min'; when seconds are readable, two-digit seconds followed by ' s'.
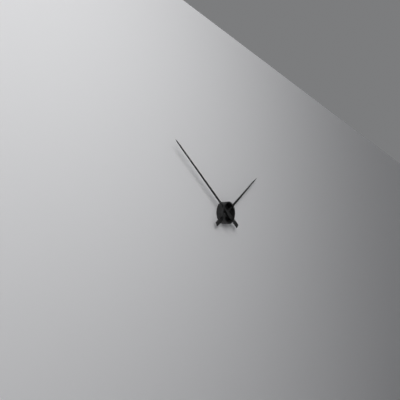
1 h 51 min
